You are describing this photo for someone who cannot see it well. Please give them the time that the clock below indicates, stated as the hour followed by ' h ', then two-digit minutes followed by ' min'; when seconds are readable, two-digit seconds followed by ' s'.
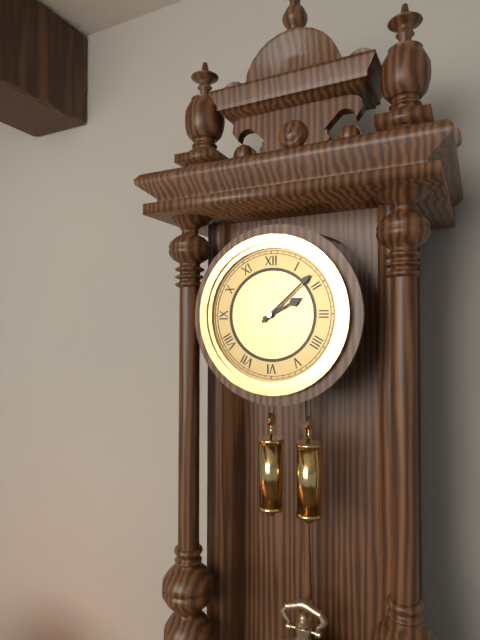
2 h 08 min
